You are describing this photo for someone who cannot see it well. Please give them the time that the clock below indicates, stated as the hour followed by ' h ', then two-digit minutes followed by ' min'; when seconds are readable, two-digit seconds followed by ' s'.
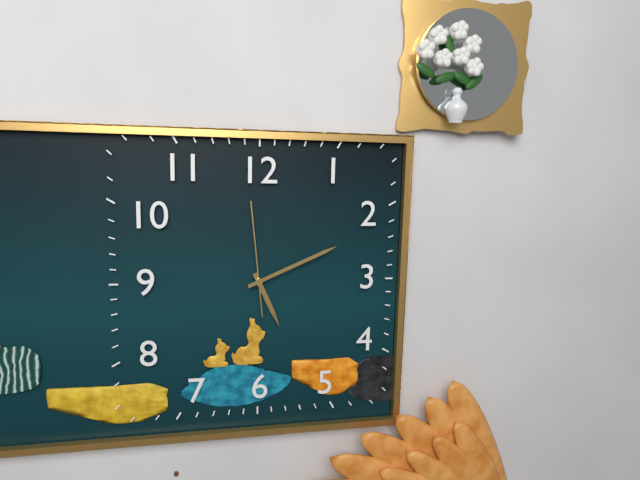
5 h 11 min 59 s
